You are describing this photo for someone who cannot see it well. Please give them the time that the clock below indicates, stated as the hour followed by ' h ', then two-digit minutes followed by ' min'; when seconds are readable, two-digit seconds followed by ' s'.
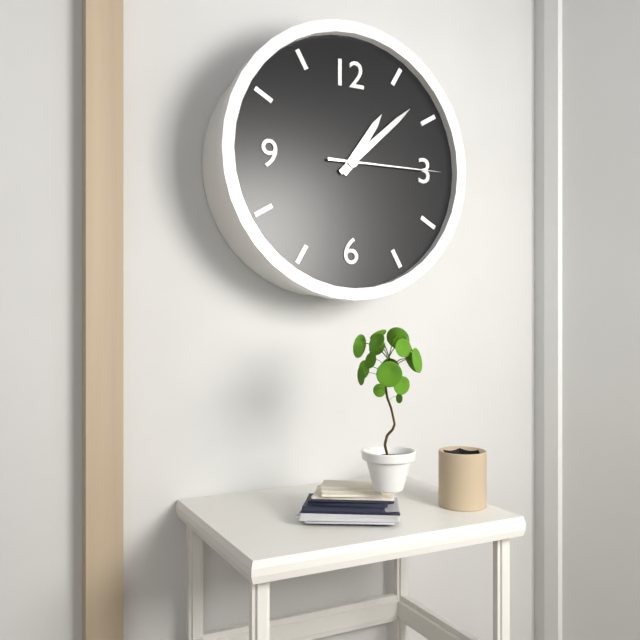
1 h 08 min 15 s
